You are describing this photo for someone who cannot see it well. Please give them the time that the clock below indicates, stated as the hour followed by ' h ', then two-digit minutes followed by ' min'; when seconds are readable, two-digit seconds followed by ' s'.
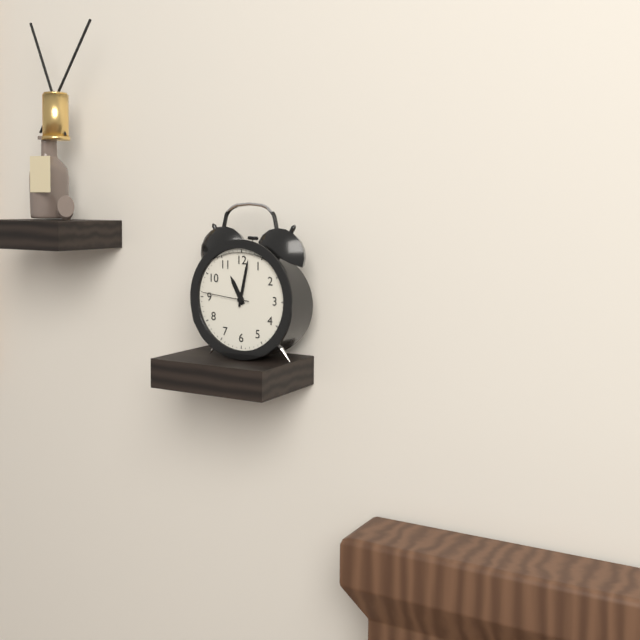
11 h 02 min
